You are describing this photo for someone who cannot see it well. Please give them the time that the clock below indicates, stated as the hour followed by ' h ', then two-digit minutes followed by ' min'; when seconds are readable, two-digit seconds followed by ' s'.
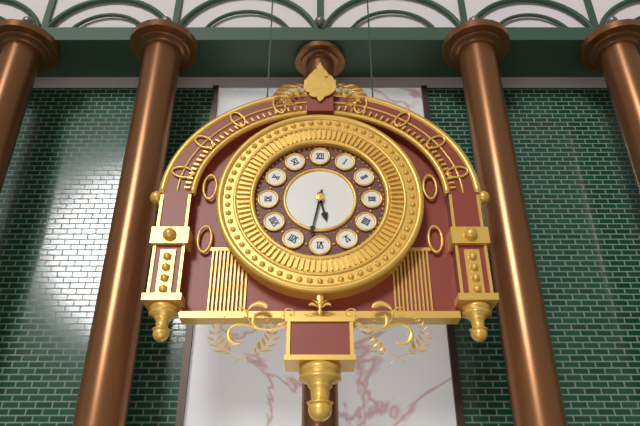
5 h 32 min
